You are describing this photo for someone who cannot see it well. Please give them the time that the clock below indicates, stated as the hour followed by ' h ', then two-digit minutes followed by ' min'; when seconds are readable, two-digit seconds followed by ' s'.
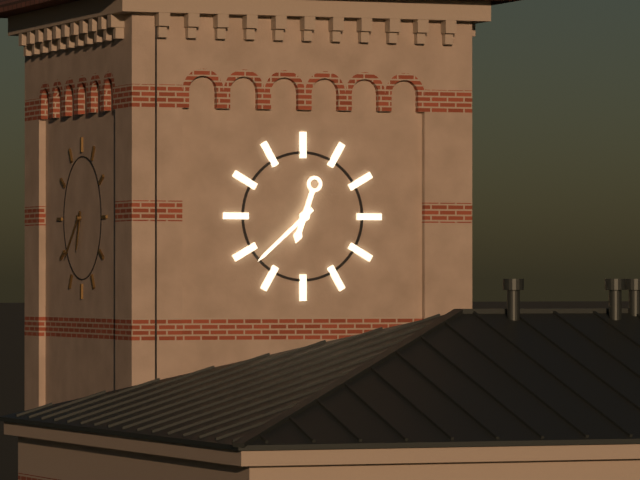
6 h 38 min
